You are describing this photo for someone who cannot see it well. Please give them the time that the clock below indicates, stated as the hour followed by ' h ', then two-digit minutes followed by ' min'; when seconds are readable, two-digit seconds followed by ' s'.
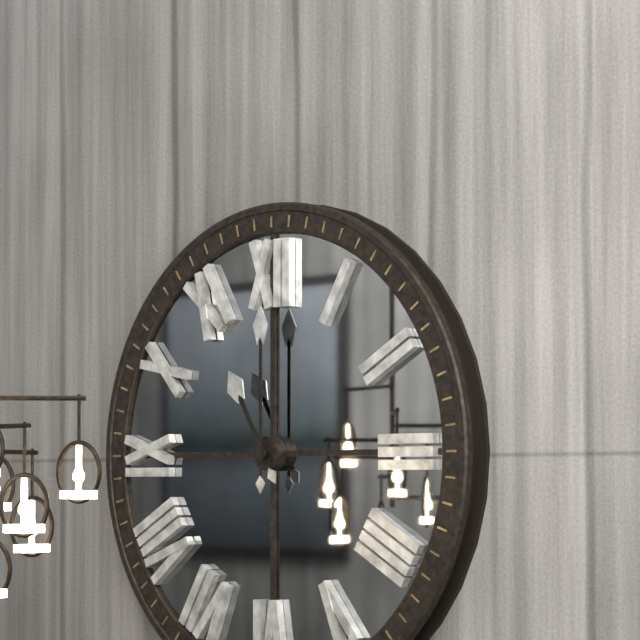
11 h 00 min
